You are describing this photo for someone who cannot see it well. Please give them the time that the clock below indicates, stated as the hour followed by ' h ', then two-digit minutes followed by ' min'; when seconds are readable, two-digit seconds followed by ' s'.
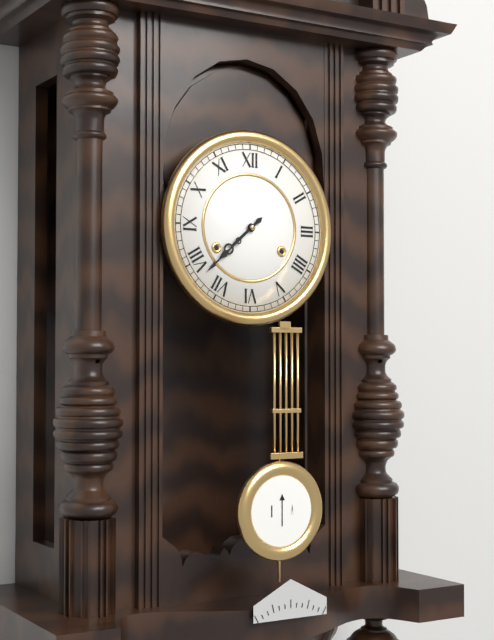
7 h 38 min
